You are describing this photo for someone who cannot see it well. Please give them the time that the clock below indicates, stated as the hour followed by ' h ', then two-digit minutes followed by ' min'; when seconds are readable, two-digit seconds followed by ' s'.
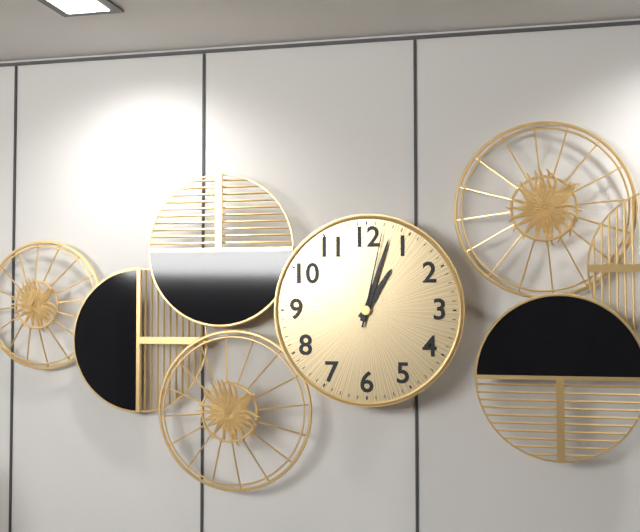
1 h 03 min 02 s
